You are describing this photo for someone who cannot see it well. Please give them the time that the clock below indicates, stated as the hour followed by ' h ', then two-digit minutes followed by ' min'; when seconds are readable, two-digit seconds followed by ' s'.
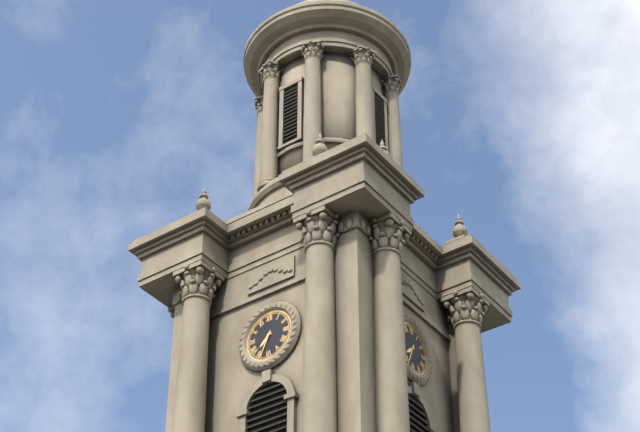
7 h 34 min
